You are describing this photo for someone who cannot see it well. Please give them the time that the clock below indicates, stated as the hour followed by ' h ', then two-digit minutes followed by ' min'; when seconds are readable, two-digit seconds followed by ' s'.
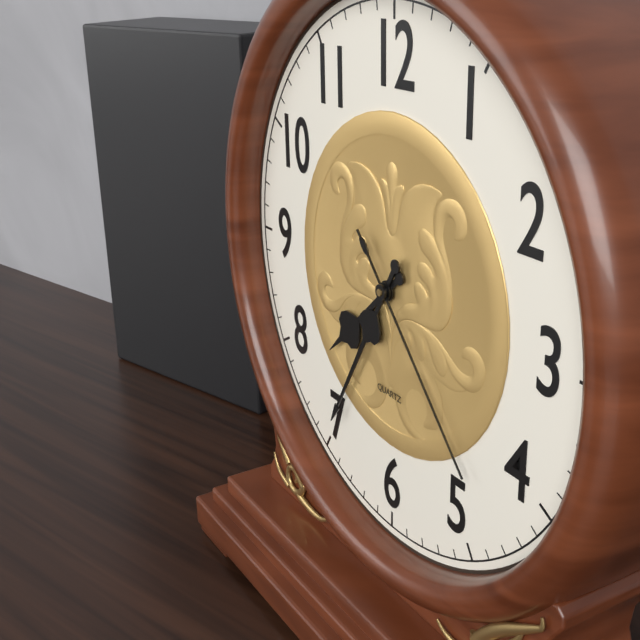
7 h 35 min 23 s
